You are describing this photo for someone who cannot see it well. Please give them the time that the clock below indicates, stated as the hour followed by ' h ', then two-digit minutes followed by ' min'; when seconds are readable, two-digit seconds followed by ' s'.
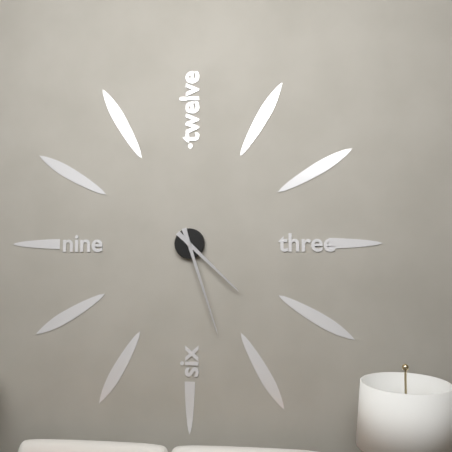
4 h 27 min
